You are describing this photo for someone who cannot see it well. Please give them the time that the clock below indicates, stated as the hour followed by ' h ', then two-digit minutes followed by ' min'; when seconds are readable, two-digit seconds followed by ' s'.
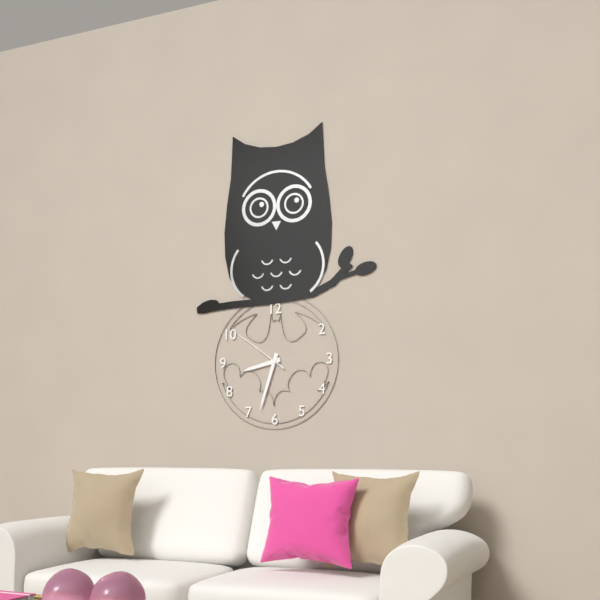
8 h 33 min 51 s
